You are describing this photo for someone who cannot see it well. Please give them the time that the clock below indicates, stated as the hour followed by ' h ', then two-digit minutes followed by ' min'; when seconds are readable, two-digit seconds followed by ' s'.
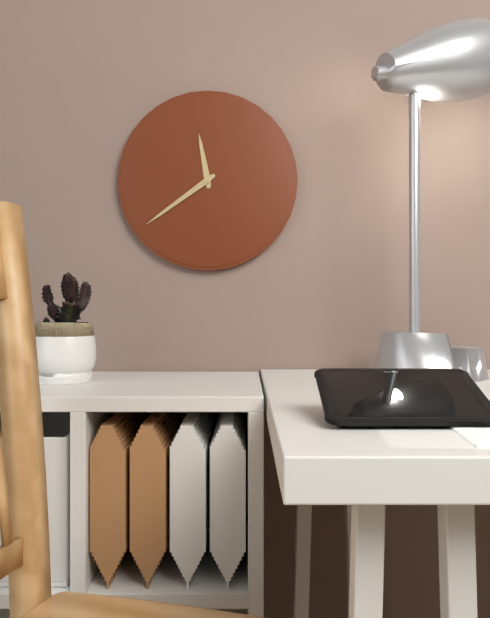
11 h 39 min
